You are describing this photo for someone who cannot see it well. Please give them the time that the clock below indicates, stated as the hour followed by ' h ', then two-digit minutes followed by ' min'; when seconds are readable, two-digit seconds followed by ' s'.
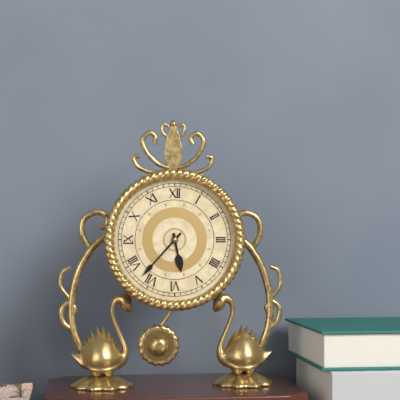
5 h 37 min
